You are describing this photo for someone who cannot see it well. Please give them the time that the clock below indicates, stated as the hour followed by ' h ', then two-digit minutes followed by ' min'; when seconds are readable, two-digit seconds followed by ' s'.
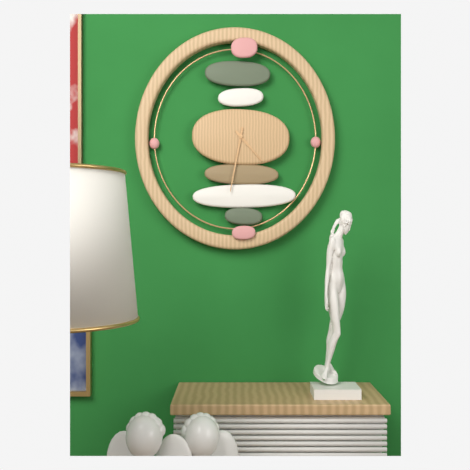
4 h 32 min
